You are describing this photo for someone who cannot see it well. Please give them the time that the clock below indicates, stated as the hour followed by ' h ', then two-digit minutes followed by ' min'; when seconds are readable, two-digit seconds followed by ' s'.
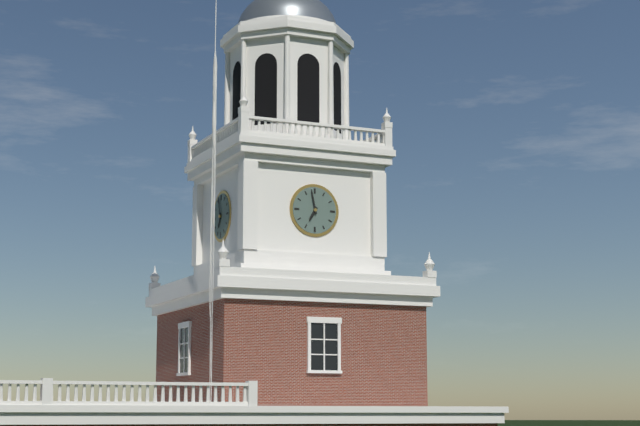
6 h 58 min
